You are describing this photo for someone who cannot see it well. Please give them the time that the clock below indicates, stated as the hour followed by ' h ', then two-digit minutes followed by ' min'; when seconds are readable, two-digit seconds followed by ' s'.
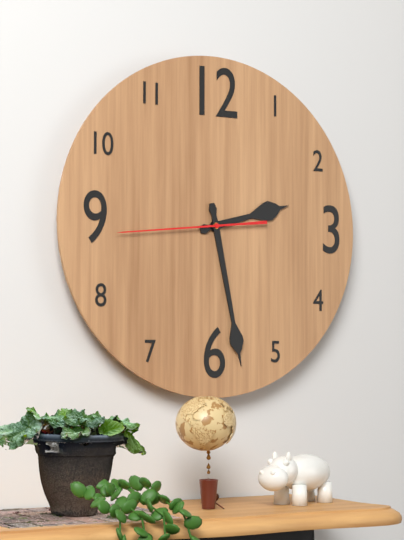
2 h 28 min 44 s
